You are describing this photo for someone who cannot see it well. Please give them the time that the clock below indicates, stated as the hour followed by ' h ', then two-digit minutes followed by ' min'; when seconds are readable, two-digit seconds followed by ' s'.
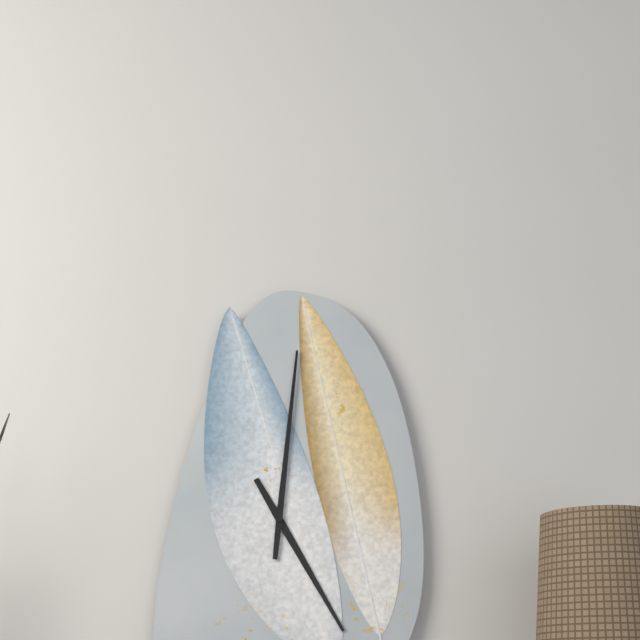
5 h 01 min
